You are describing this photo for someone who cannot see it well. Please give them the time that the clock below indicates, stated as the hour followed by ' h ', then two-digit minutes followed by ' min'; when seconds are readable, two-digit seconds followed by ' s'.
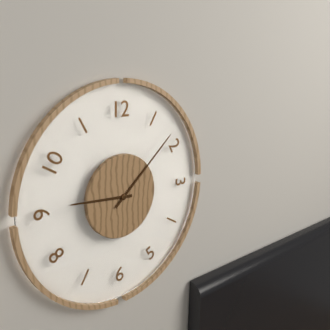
9 h 08 min
